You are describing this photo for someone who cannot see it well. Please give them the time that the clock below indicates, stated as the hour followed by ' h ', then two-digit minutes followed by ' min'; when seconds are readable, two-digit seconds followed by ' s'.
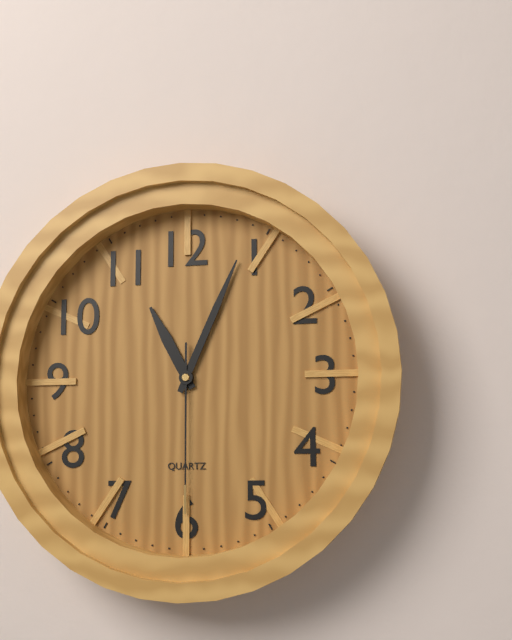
11 h 04 min 30 s
